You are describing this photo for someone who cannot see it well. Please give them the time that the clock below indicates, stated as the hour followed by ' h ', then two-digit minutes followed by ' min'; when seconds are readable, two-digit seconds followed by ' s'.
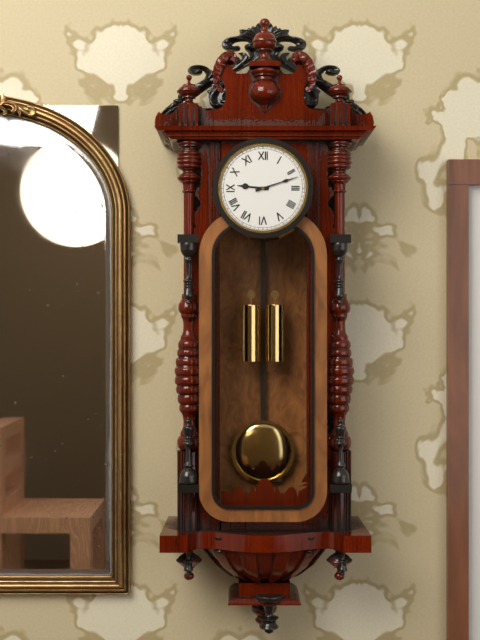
9 h 12 min
